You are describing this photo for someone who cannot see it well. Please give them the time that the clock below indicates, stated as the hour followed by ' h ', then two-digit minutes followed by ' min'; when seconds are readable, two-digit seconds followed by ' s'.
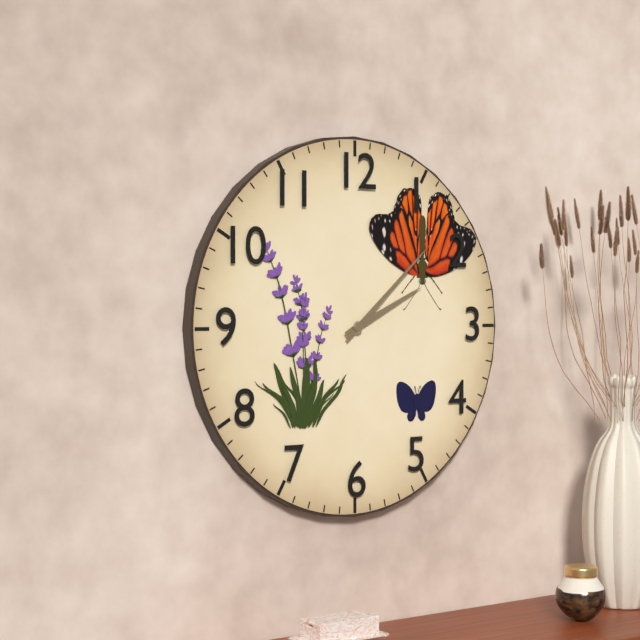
2 h 08 min
